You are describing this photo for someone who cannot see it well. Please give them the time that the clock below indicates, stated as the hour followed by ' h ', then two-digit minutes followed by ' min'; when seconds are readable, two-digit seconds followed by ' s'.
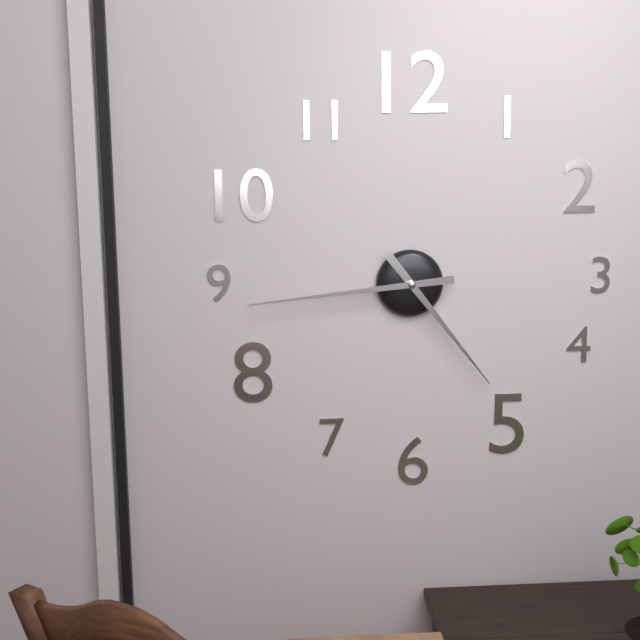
4 h 44 min
